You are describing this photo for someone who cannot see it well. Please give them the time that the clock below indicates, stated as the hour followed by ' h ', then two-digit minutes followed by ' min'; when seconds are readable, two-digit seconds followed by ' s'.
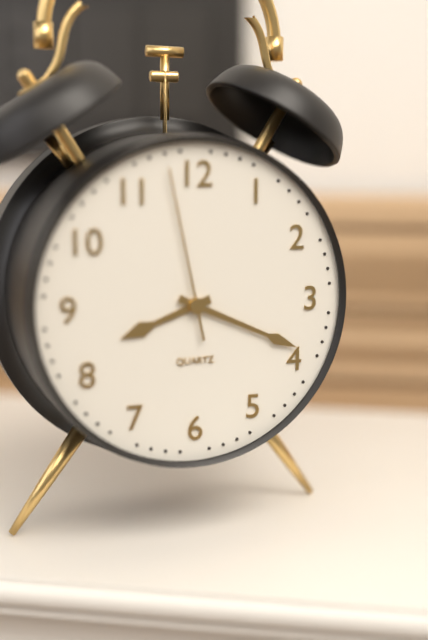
8 h 19 min 58 s
